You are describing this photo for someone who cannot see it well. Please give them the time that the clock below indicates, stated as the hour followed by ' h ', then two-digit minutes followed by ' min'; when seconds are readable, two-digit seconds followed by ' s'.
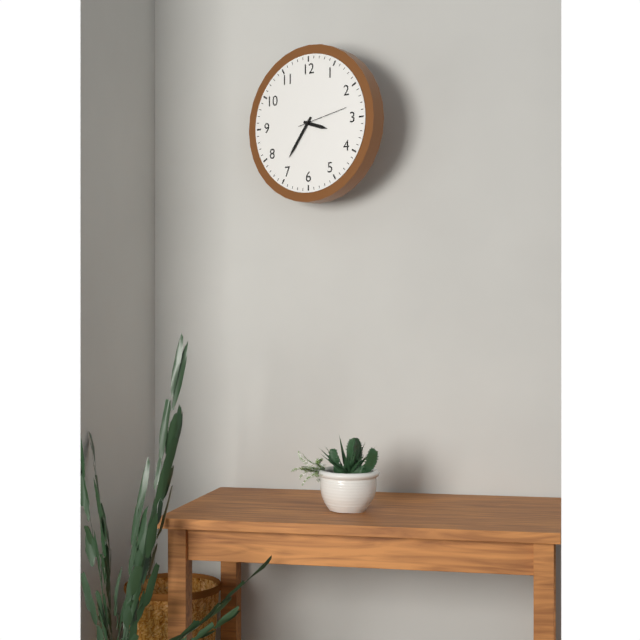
3 h 36 min
